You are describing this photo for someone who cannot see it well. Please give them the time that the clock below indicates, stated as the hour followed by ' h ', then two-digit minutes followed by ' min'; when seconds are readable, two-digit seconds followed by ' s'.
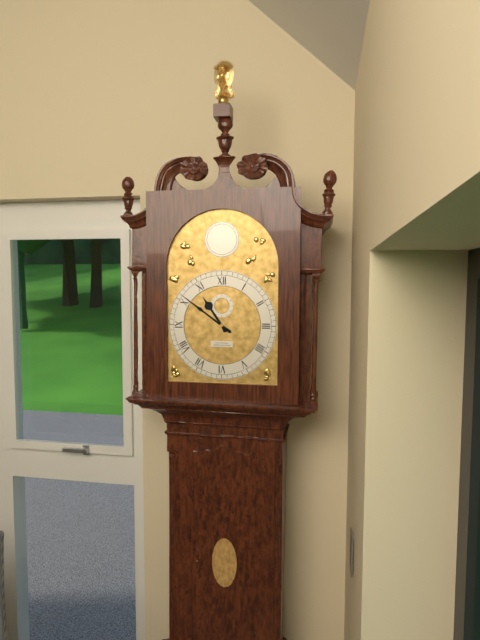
10 h 51 min
